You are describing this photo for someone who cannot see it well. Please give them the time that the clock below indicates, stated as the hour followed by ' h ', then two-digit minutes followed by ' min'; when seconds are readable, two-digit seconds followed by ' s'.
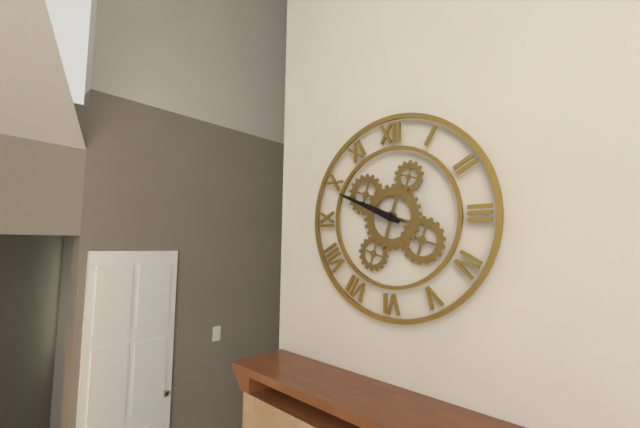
9 h 49 min
